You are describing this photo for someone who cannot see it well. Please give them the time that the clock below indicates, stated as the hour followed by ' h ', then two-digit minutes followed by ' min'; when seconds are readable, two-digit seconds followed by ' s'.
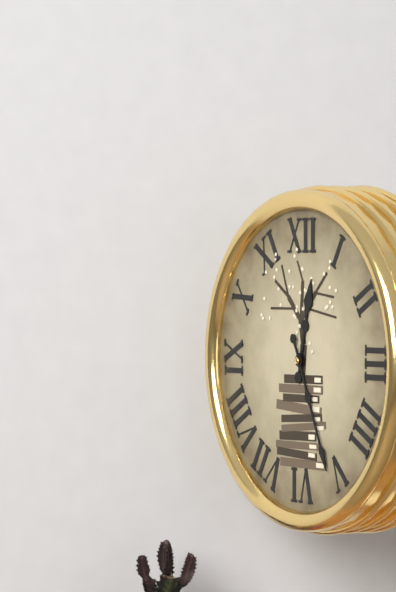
12 h 26 min
